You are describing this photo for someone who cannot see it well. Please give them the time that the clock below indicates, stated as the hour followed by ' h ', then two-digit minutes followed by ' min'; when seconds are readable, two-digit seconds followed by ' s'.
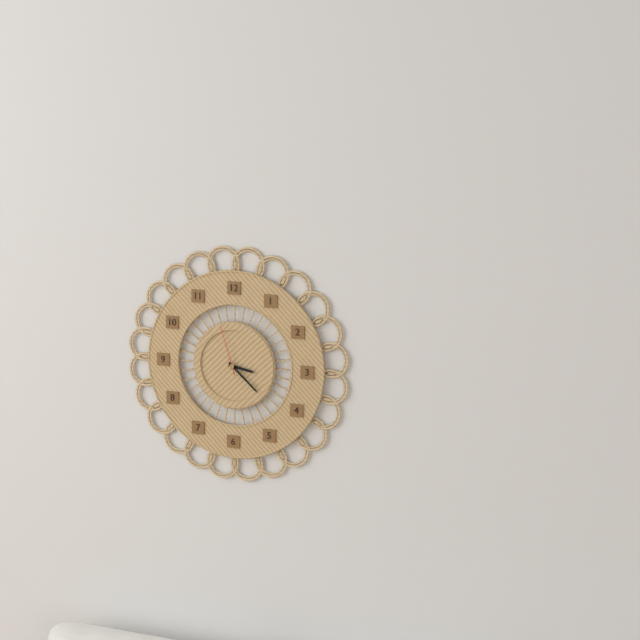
3 h 22 min 57 s
